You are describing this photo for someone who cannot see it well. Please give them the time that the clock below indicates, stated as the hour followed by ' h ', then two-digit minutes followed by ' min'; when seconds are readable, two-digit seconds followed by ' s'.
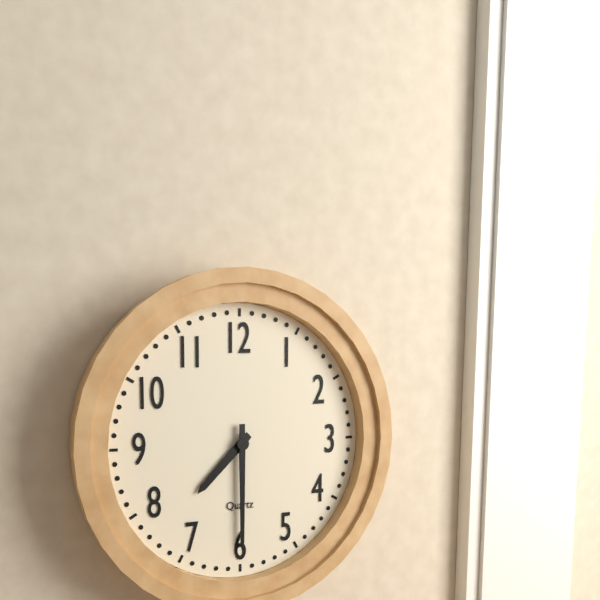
7 h 30 min
